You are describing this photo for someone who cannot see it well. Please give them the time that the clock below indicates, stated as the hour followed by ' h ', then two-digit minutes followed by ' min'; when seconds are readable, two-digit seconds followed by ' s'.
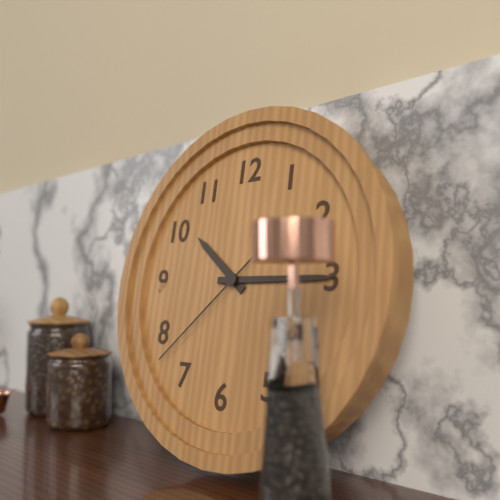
10 h 15 min 38 s
